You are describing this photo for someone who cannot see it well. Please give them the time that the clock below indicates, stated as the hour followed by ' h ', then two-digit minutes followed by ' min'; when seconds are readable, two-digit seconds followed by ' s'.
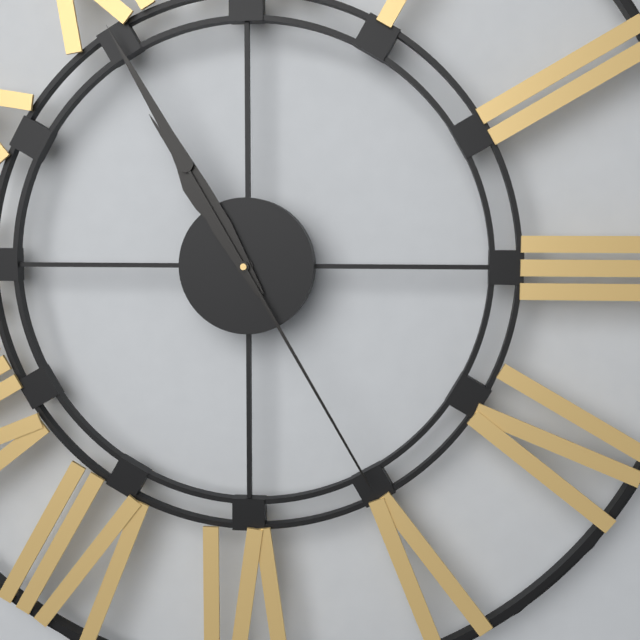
10 h 55 min 25 s
